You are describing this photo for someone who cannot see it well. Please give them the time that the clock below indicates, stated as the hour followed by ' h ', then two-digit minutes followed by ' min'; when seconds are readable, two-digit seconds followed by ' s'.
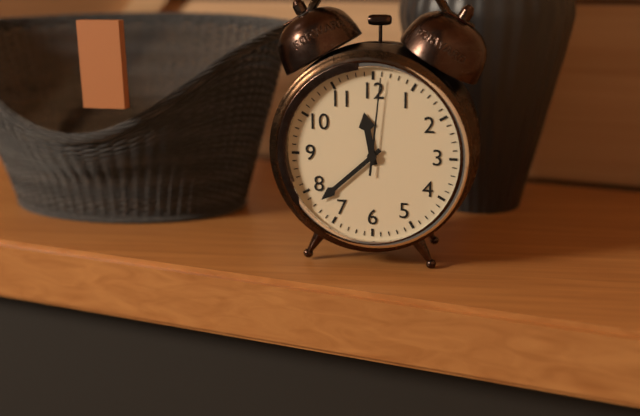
11 h 38 min 01 s
